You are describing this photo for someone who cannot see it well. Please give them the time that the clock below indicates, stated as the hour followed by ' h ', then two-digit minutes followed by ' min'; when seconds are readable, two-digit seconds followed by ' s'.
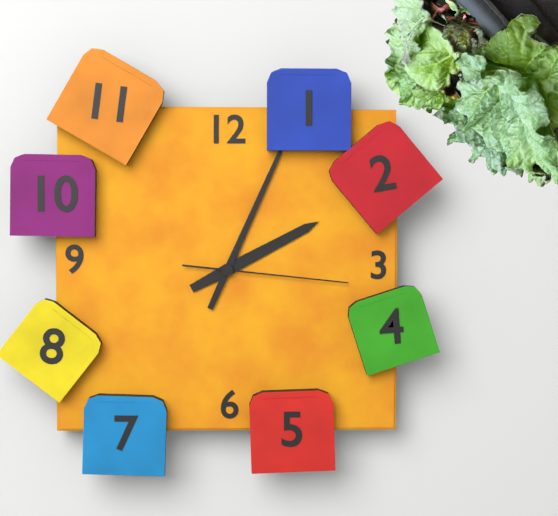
2 h 04 min 16 s
